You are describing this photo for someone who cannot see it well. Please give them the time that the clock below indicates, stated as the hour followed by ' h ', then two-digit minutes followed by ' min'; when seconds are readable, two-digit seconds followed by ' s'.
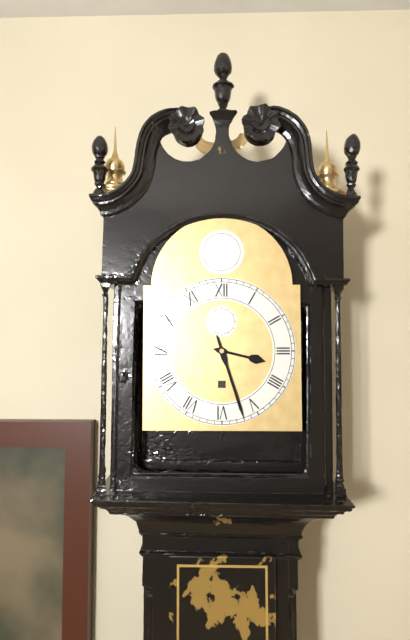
3 h 27 min
